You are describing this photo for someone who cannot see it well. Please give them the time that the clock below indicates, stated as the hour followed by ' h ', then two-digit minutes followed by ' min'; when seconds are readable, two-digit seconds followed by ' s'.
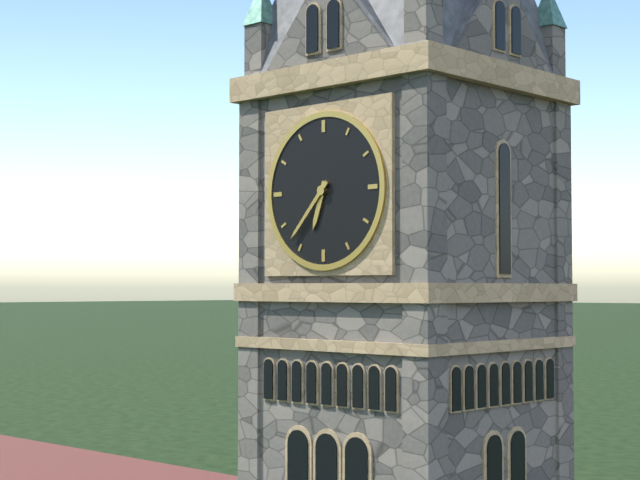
6 h 37 min
